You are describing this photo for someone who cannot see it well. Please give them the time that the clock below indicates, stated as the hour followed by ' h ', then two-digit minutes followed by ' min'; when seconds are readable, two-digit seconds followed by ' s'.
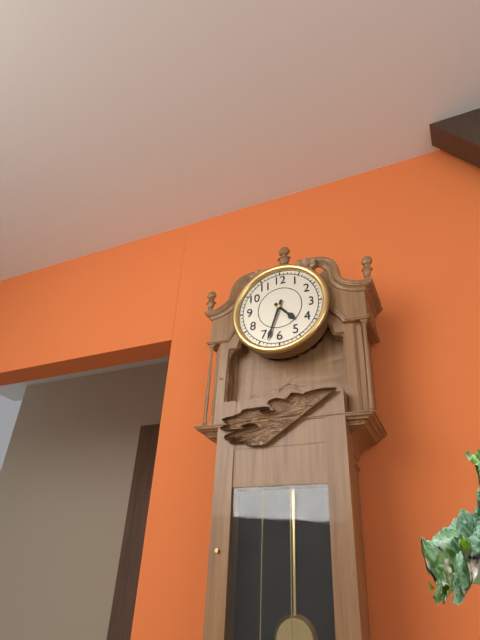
4 h 33 min
